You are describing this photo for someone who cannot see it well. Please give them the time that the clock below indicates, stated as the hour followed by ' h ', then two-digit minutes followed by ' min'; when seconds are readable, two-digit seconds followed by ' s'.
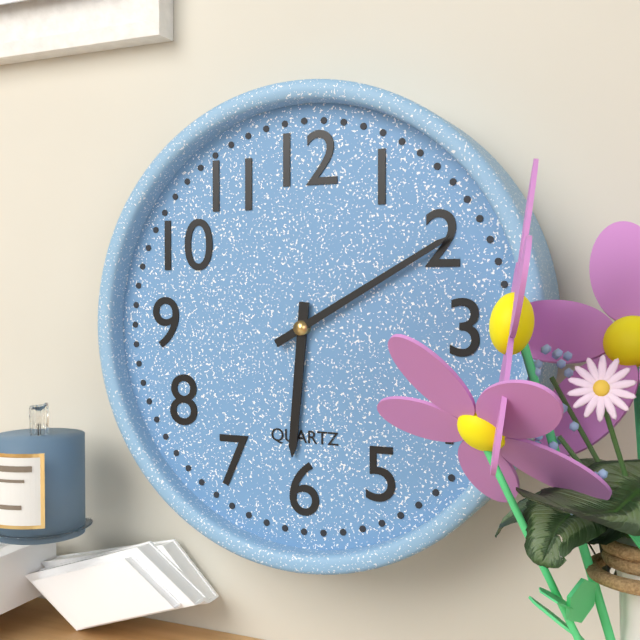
6 h 10 min
